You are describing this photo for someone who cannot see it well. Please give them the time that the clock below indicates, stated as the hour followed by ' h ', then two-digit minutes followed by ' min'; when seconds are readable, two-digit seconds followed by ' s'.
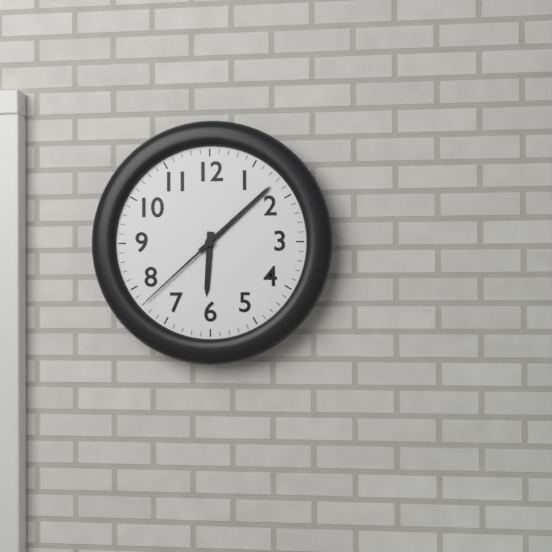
6 h 08 min 38 s
